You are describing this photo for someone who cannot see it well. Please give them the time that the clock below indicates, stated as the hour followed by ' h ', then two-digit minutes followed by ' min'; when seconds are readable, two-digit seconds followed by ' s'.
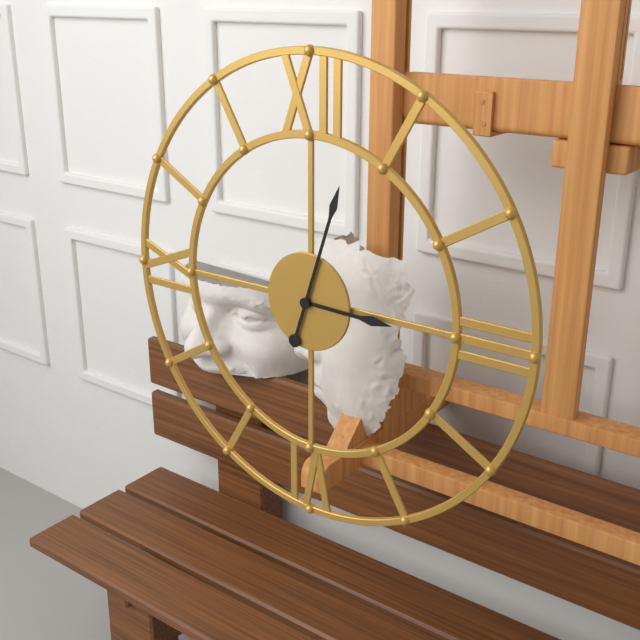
3 h 03 min
